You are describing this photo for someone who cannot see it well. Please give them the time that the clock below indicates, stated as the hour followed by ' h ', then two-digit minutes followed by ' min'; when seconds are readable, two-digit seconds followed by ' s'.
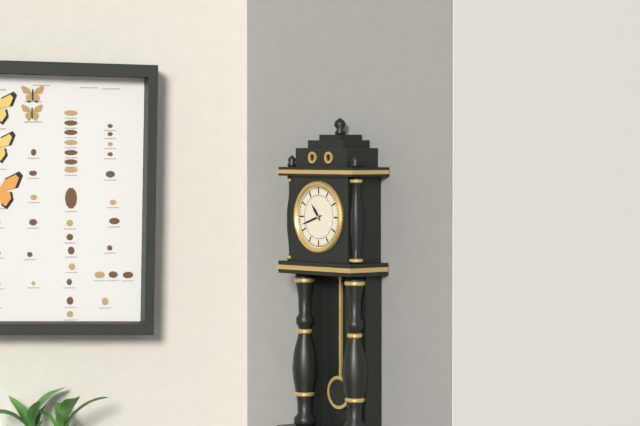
10 h 42 min
